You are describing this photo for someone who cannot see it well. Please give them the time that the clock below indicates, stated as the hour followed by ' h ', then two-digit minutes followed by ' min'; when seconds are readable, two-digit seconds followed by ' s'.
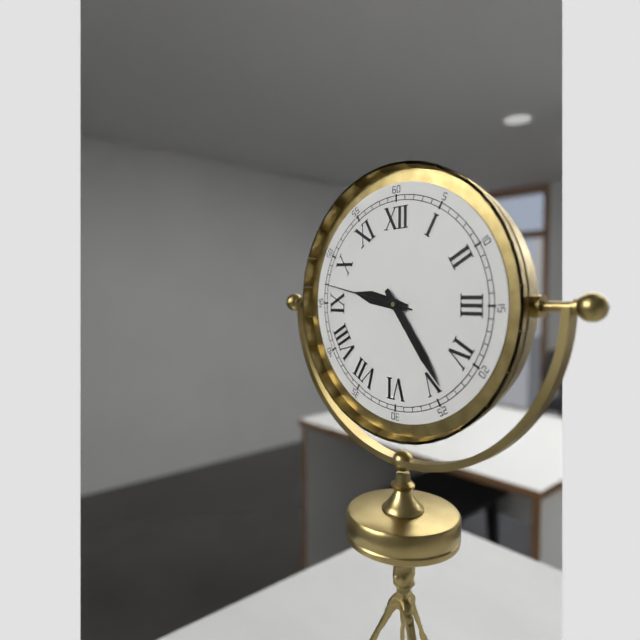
9 h 24 min 47 s
